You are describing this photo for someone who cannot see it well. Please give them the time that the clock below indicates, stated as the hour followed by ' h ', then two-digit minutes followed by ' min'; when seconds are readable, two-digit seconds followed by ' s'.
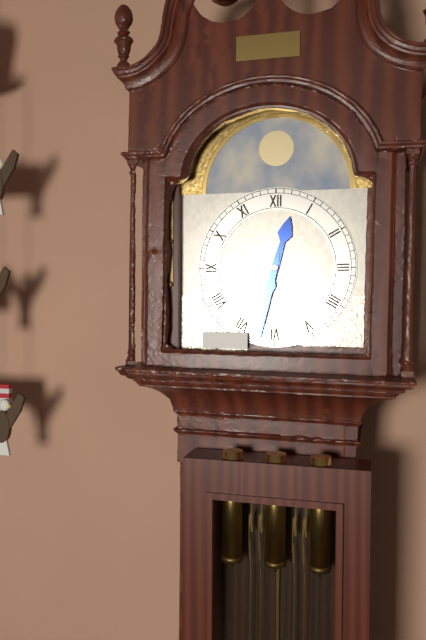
12 h 32 min
